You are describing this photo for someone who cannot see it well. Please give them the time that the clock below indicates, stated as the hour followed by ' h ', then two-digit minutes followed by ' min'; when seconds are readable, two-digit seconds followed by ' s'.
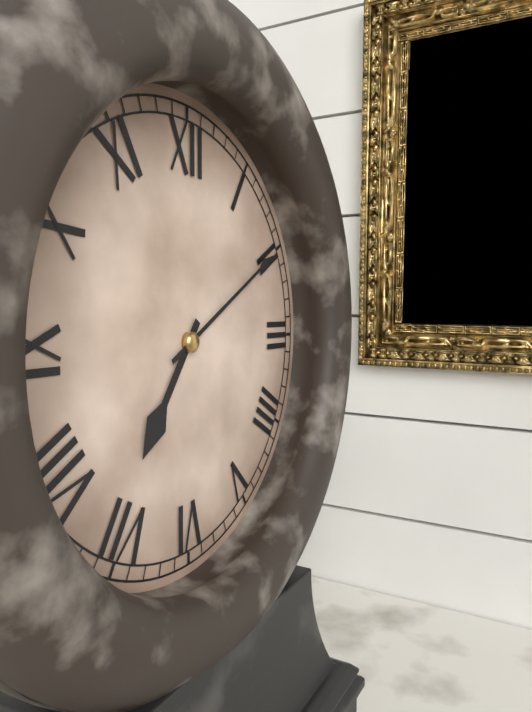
7 h 10 min
